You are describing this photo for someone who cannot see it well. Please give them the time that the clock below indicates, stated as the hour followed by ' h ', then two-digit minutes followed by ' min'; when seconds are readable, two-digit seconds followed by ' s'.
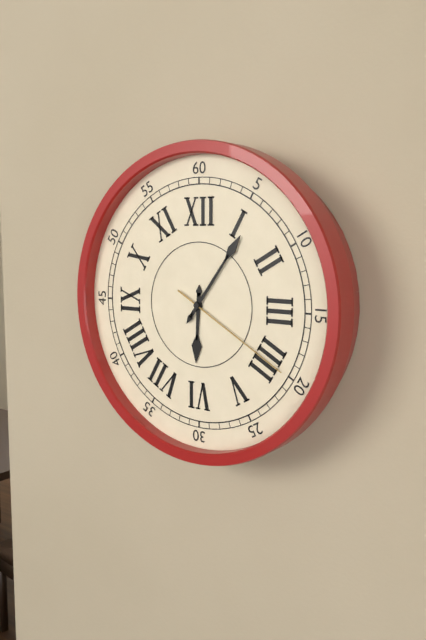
6 h 06 min 20 s
